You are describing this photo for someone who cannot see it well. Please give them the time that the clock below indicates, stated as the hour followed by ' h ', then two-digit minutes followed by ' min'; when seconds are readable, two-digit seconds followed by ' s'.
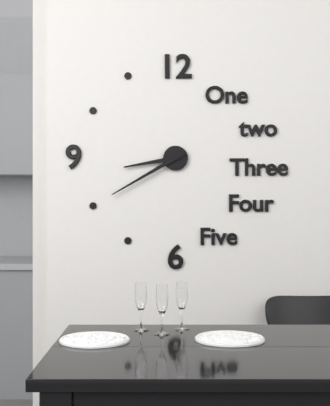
8 h 40 min
